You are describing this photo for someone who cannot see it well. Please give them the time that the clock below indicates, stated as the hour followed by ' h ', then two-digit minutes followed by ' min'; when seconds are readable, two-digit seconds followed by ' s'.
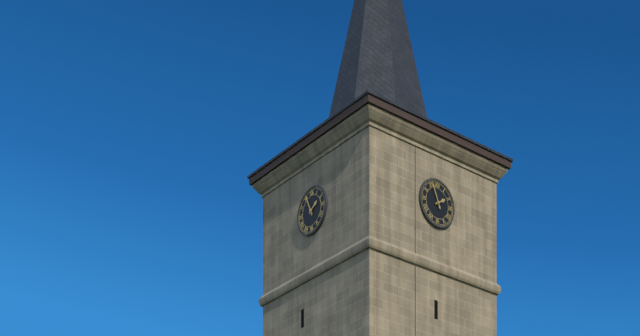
1 h 56 min
